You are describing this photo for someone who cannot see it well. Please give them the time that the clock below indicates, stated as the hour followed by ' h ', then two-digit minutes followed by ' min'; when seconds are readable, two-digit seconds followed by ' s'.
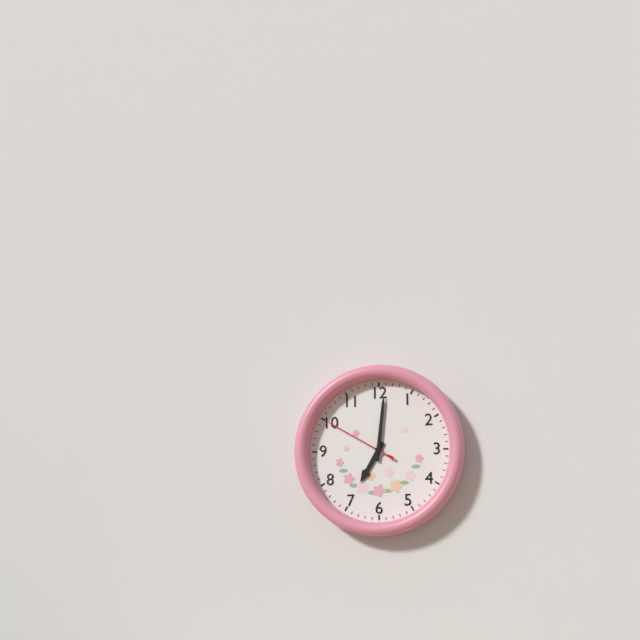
7 h 01 min 50 s
